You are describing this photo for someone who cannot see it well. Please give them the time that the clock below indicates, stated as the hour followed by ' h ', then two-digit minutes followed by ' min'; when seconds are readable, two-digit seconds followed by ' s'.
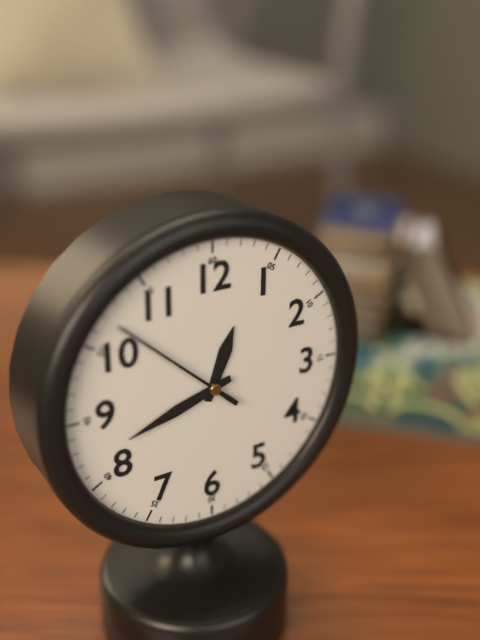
12 h 42 min 52 s
